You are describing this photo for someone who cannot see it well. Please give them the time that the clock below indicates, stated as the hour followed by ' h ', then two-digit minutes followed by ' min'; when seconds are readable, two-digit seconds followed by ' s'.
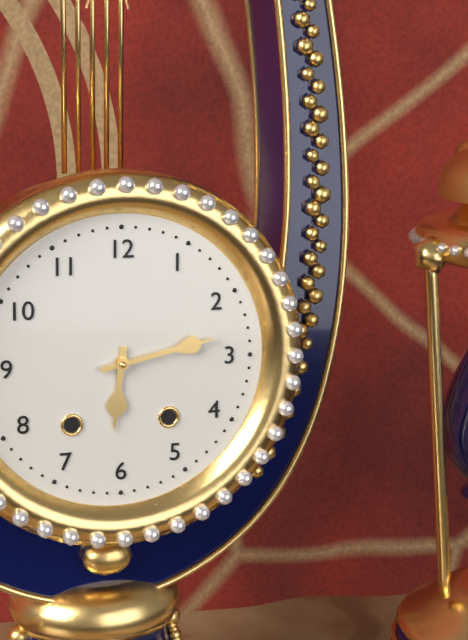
6 h 13 min
